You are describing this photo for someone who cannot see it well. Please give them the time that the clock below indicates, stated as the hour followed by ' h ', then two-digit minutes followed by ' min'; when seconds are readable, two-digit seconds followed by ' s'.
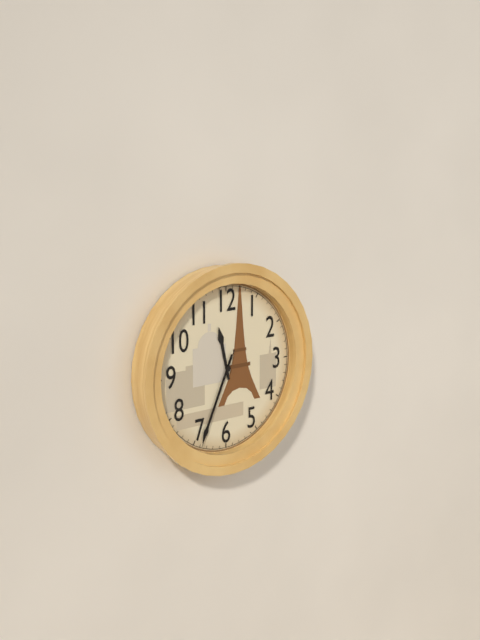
11 h 34 min 34 s
